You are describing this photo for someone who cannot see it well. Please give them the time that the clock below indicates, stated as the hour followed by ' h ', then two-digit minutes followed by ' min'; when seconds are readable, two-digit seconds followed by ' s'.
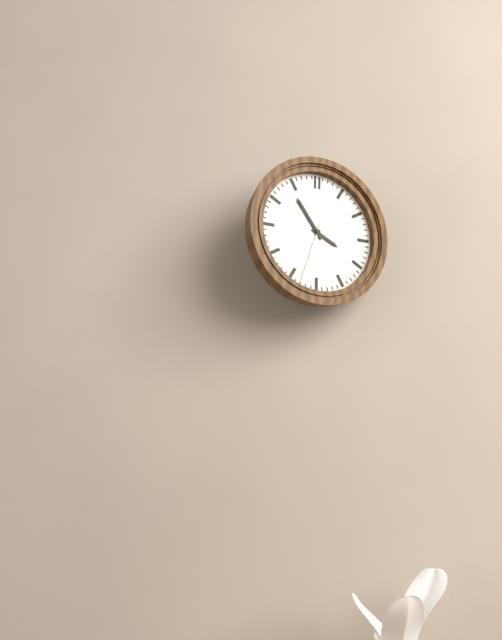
3 h 54 min 33 s
